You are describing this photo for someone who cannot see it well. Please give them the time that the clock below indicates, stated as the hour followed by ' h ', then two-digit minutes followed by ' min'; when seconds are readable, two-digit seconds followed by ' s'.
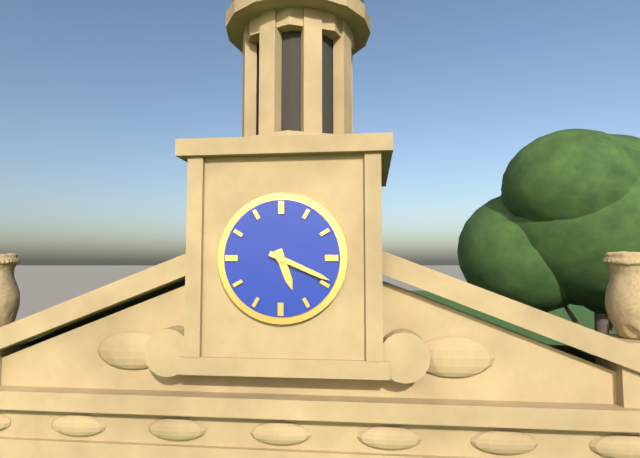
5 h 19 min
